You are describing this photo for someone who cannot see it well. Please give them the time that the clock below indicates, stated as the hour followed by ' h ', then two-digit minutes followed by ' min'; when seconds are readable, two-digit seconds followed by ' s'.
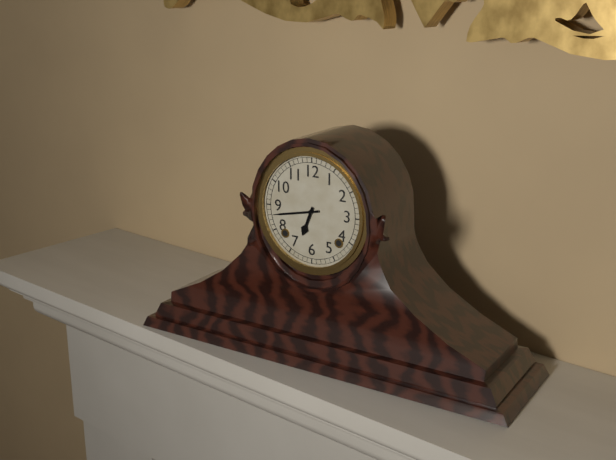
6 h 43 min
